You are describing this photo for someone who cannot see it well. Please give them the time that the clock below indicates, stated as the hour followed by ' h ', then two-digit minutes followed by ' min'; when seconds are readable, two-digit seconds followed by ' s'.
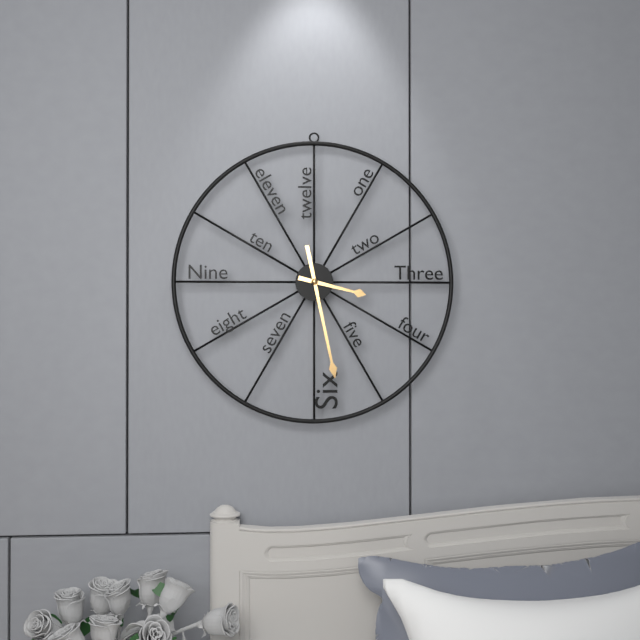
3 h 28 min
